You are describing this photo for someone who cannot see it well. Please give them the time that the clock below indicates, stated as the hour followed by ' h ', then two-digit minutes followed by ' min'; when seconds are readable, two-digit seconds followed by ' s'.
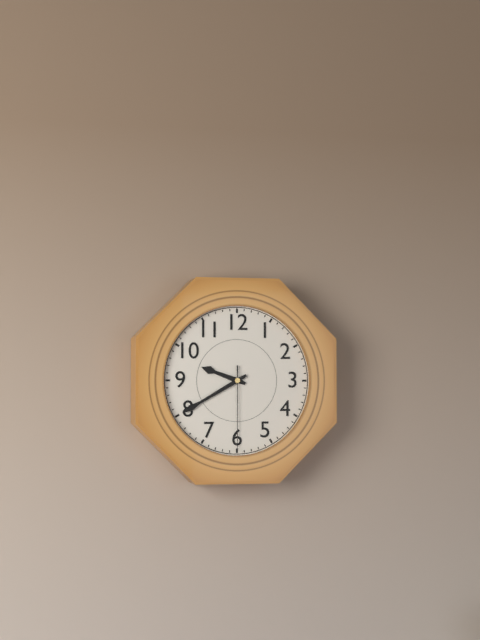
9 h 40 min 30 s
